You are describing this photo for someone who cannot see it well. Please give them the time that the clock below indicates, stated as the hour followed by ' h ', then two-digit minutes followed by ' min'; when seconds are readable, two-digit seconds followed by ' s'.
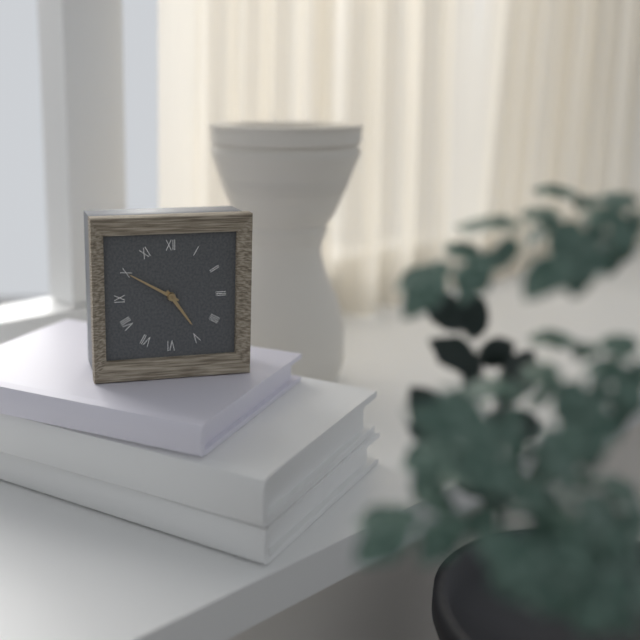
4 h 50 min
